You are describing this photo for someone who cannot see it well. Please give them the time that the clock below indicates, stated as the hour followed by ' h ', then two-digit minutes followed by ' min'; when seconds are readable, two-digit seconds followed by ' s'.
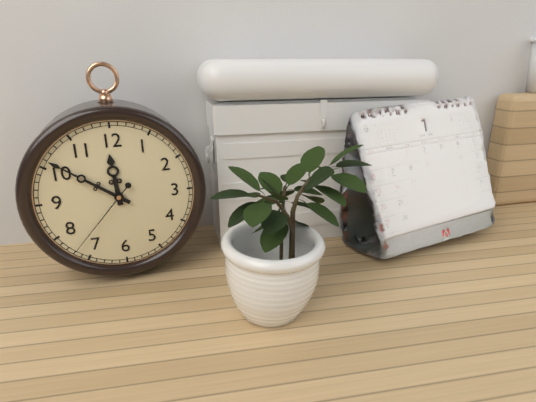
11 h 51 min 37 s
